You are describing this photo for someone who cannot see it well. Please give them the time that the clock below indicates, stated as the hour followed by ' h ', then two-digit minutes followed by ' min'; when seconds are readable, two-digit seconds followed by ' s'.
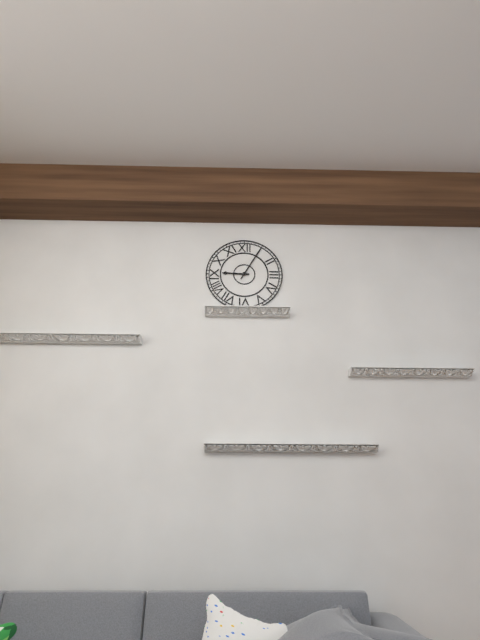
9 h 05 min
